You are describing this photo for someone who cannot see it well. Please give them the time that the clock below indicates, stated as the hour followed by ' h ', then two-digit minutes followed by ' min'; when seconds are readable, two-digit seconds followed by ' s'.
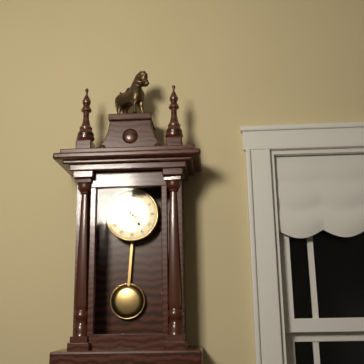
4 h 50 min
